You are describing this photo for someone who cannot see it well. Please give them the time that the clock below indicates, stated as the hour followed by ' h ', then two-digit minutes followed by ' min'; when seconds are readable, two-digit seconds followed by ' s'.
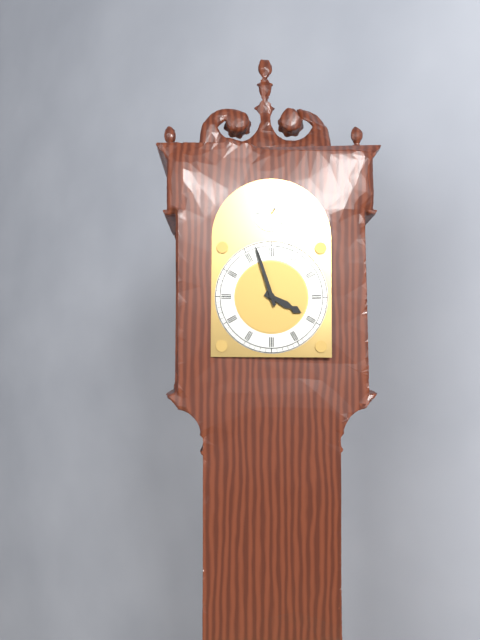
3 h 57 min
